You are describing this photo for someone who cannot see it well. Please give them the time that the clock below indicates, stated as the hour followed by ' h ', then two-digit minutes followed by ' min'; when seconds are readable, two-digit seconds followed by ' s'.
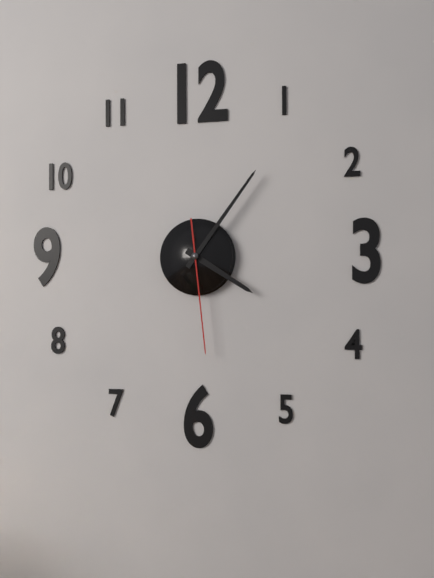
4 h 06 min 29 s
